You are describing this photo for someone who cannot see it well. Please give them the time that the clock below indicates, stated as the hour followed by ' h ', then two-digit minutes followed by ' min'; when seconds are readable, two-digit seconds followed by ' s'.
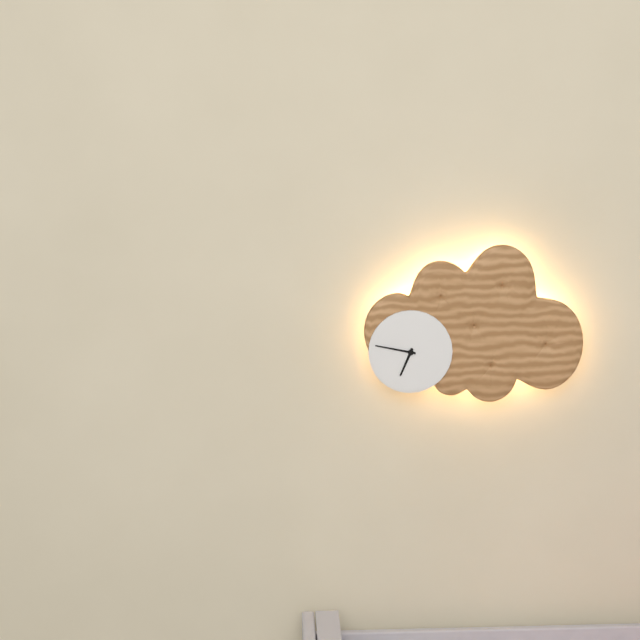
6 h 47 min
